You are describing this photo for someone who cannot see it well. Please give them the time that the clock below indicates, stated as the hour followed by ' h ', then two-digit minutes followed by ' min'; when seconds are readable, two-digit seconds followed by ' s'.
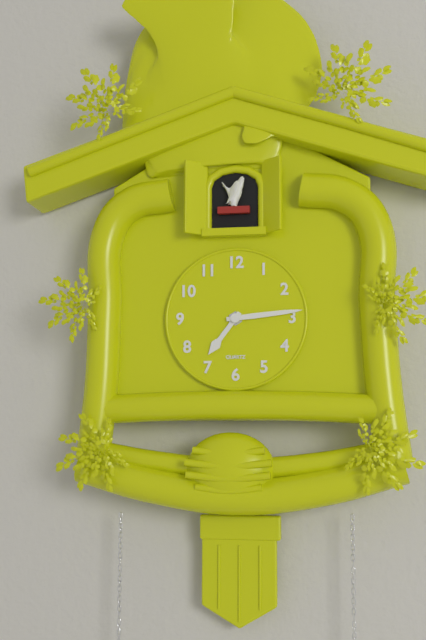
7 h 14 min
